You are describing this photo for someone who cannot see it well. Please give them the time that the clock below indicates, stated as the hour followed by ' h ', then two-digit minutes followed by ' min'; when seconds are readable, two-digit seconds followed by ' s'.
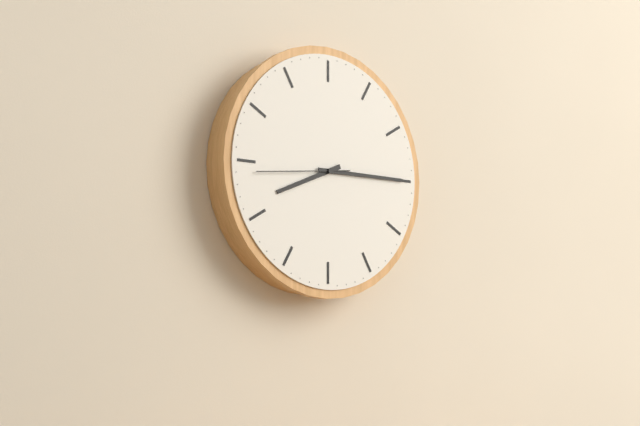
8 h 15 min 44 s
